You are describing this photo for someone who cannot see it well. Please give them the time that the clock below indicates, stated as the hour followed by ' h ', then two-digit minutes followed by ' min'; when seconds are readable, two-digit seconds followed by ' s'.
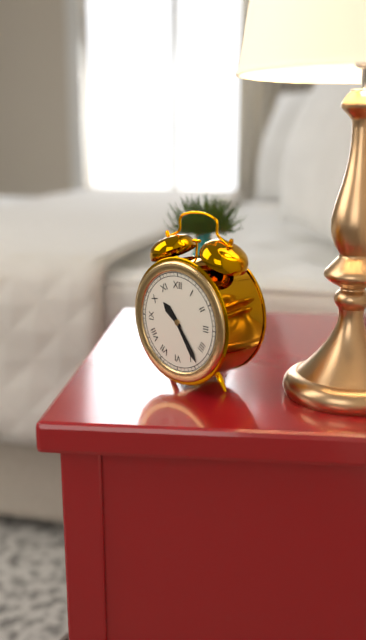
10 h 24 min
